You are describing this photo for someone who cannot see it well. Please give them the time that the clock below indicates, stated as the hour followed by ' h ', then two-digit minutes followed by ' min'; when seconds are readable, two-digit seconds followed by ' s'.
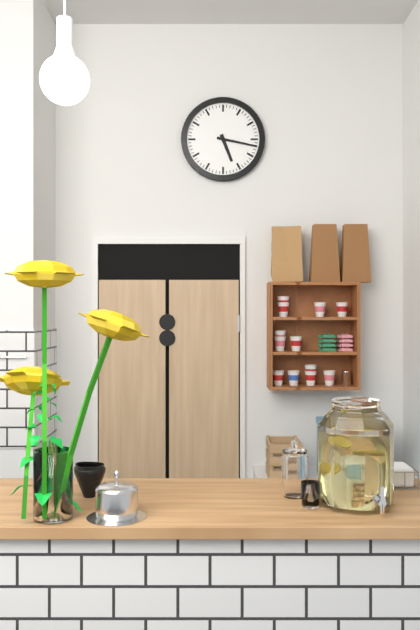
5 h 17 min
